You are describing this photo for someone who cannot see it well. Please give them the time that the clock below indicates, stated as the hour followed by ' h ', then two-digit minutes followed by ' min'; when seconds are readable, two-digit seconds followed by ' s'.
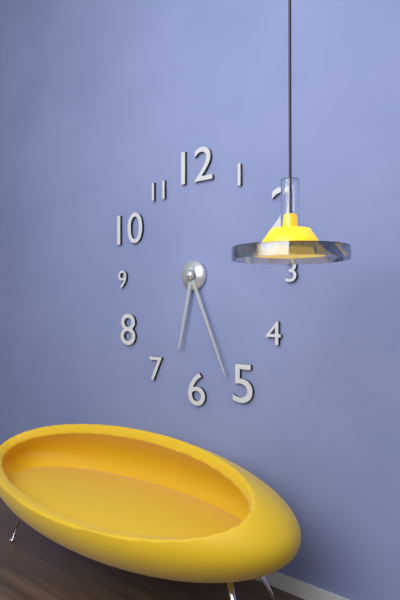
6 h 26 min
